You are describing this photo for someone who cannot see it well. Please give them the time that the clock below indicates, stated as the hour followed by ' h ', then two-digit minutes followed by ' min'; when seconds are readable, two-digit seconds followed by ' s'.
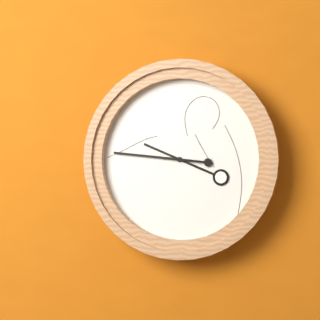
9 h 46 min
